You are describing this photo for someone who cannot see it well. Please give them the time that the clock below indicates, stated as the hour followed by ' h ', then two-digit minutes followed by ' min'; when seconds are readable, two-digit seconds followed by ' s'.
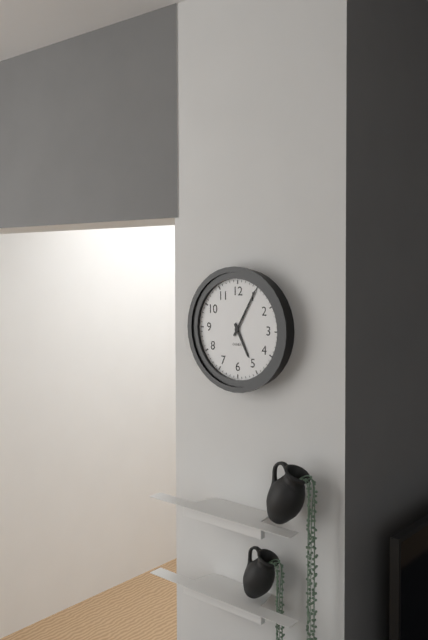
5 h 05 min
